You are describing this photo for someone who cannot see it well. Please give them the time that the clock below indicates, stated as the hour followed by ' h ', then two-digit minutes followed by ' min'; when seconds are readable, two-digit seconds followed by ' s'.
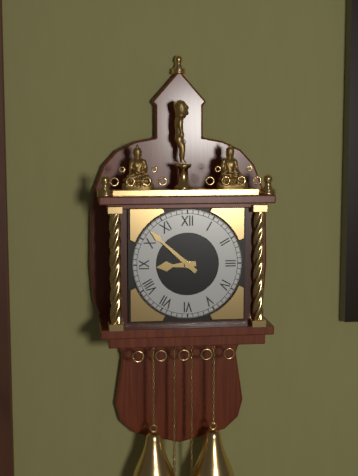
8 h 52 min
